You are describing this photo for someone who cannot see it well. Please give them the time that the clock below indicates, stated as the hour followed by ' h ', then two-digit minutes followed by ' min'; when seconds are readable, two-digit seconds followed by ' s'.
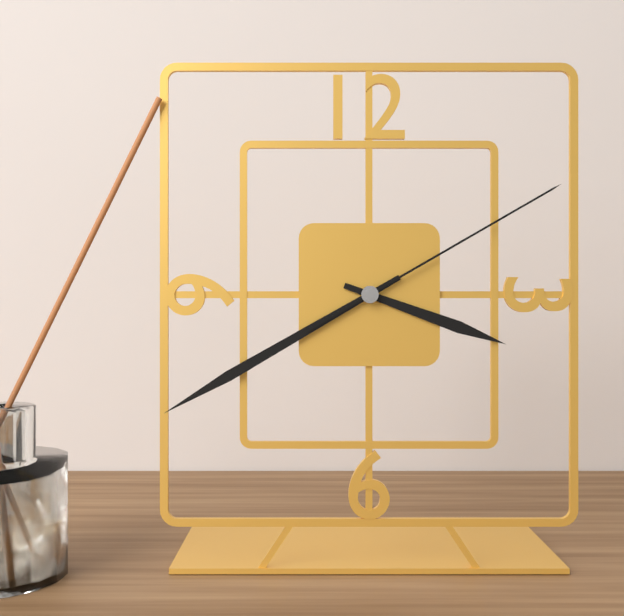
3 h 40 min 10 s
